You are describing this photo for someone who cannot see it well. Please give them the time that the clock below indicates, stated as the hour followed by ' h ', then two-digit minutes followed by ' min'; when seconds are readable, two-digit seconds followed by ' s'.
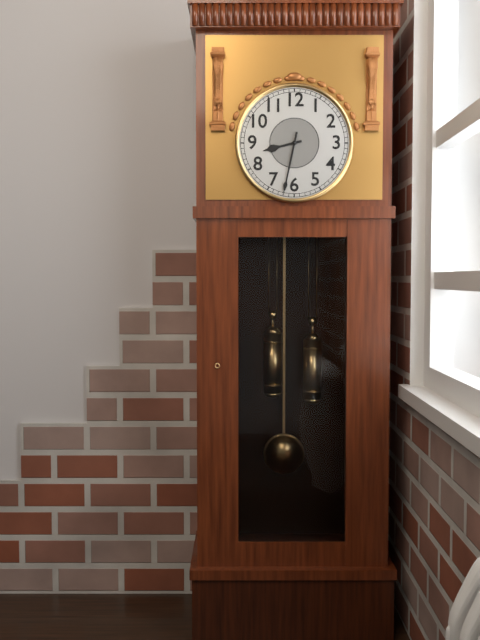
8 h 32 min
